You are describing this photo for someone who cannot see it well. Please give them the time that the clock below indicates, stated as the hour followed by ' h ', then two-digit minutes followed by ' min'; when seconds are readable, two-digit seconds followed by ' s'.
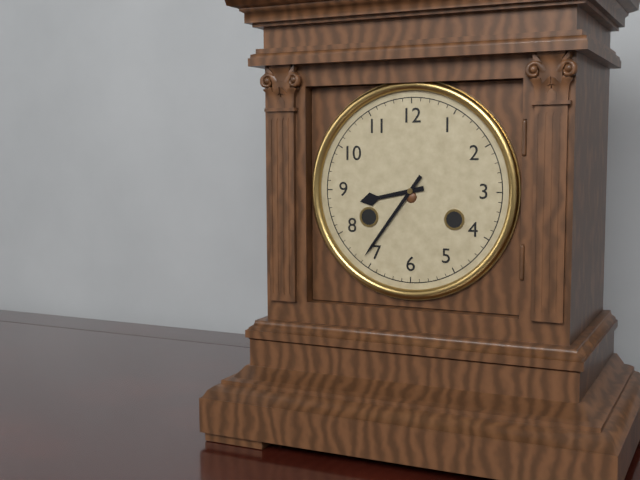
8 h 36 min
